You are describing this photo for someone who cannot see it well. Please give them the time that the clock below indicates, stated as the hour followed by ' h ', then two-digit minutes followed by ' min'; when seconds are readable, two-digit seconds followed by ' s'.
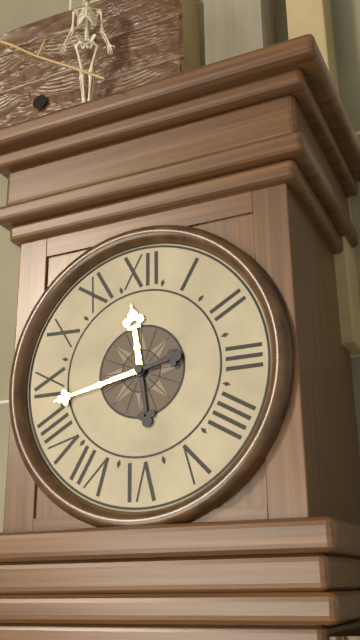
11 h 43 min
